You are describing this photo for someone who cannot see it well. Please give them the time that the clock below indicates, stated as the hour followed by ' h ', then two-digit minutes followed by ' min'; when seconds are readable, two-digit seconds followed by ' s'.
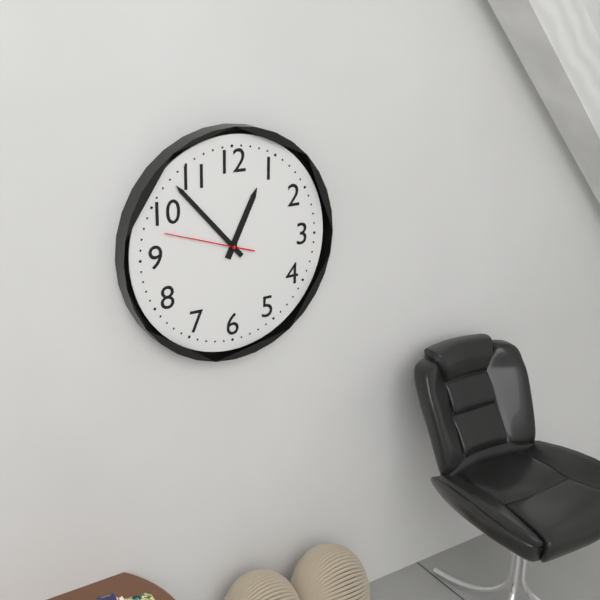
12 h 53 min 48 s
